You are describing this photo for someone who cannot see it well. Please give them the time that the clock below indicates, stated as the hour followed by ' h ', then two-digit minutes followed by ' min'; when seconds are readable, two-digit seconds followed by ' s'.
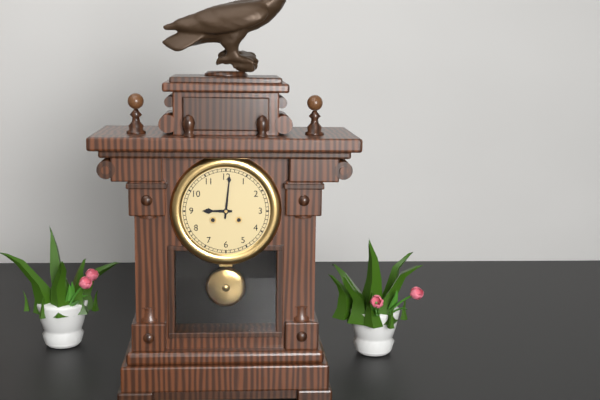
9 h 01 min
